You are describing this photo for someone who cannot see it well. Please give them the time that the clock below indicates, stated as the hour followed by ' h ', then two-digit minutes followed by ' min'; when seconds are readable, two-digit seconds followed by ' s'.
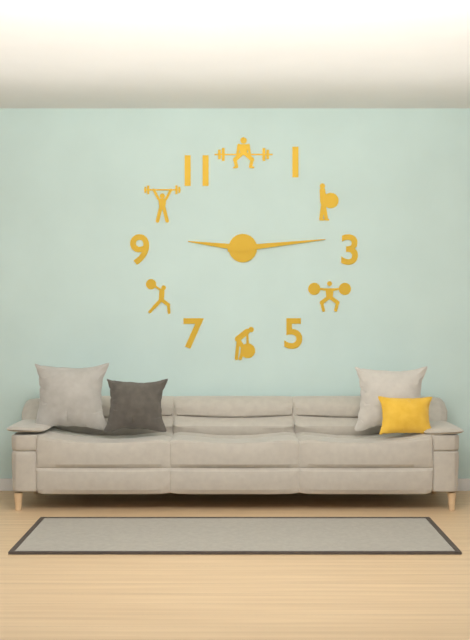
9 h 14 min
